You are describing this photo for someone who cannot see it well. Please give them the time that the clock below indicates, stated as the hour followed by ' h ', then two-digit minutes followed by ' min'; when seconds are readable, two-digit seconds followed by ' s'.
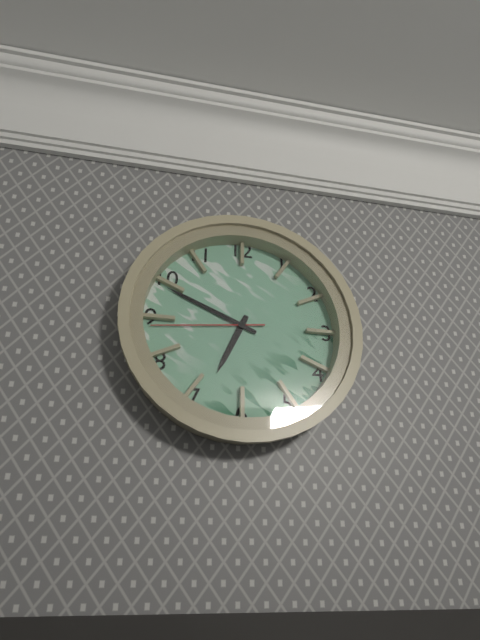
6 h 49 min 44 s
